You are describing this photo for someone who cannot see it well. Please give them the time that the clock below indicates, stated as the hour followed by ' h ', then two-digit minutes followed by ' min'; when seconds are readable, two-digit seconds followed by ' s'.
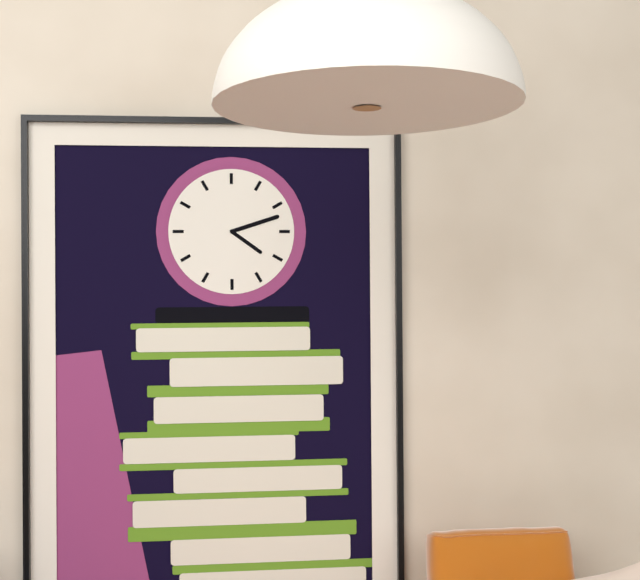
4 h 12 min
